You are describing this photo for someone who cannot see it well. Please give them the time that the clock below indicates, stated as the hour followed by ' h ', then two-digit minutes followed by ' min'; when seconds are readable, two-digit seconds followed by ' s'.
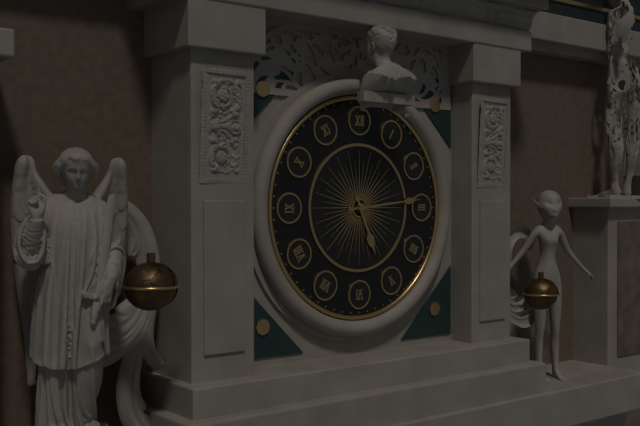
5 h 14 min
